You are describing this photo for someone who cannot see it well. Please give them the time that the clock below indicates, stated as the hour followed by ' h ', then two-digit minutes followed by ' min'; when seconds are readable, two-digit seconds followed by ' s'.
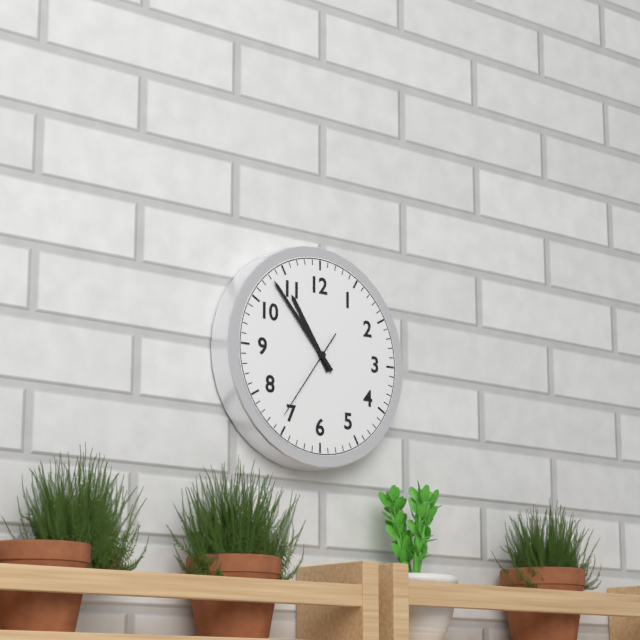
10 h 53 min 36 s
